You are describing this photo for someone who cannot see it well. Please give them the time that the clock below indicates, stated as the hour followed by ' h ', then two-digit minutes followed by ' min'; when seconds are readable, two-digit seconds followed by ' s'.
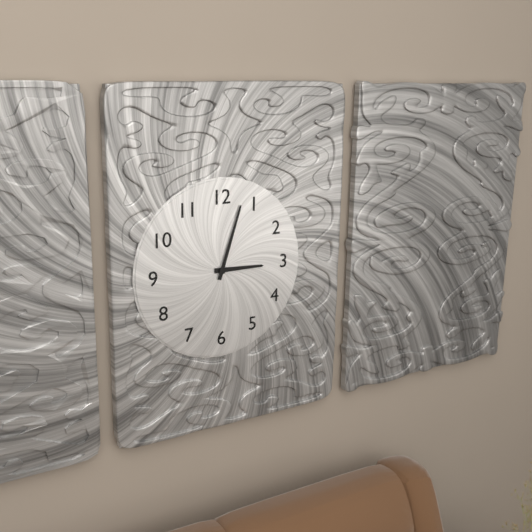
3 h 03 min
